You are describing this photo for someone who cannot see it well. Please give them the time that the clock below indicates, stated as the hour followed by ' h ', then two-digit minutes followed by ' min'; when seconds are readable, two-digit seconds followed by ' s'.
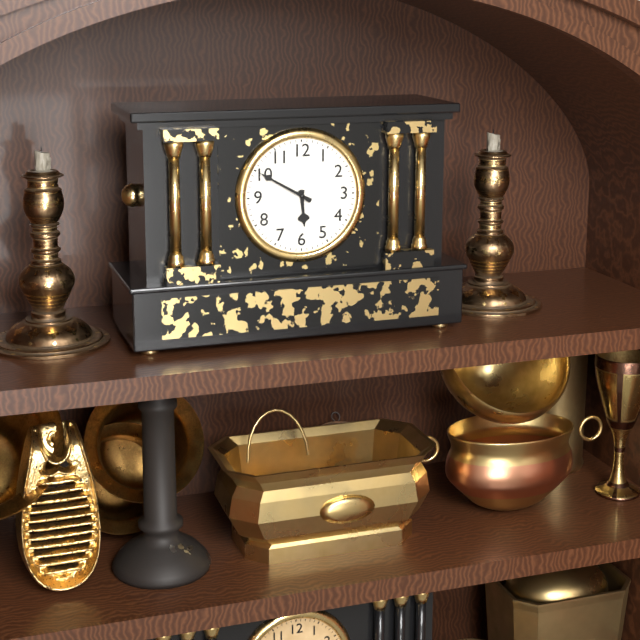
5 h 50 min
